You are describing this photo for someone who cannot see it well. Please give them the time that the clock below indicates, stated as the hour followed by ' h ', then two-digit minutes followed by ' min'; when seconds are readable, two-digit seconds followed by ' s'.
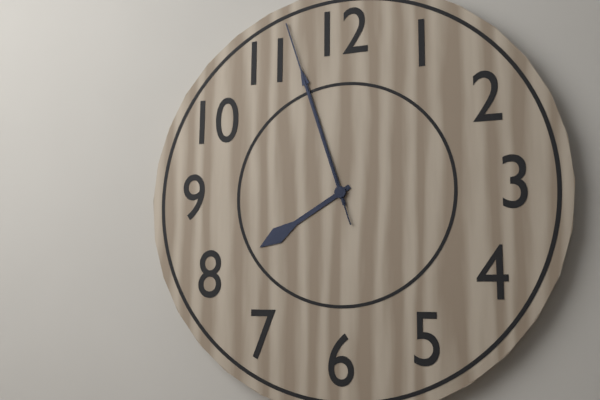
7 h 57 min 57 s
